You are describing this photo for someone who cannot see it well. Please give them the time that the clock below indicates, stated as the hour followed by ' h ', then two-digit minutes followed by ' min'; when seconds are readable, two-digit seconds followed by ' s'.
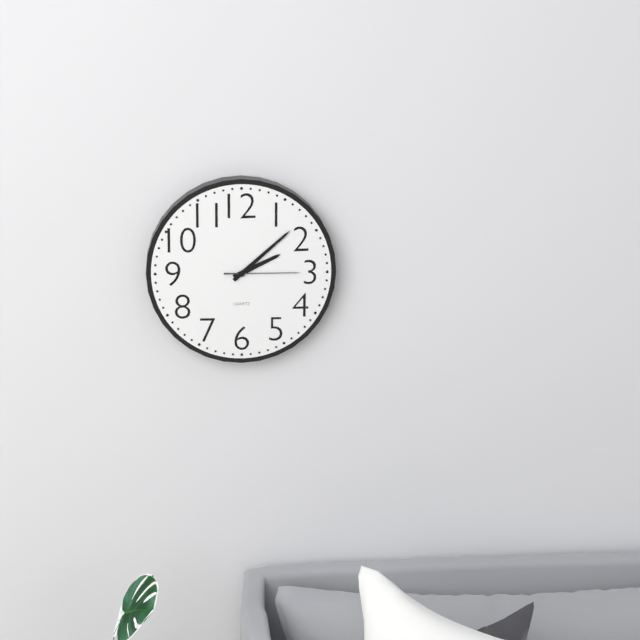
2 h 08 min 15 s
